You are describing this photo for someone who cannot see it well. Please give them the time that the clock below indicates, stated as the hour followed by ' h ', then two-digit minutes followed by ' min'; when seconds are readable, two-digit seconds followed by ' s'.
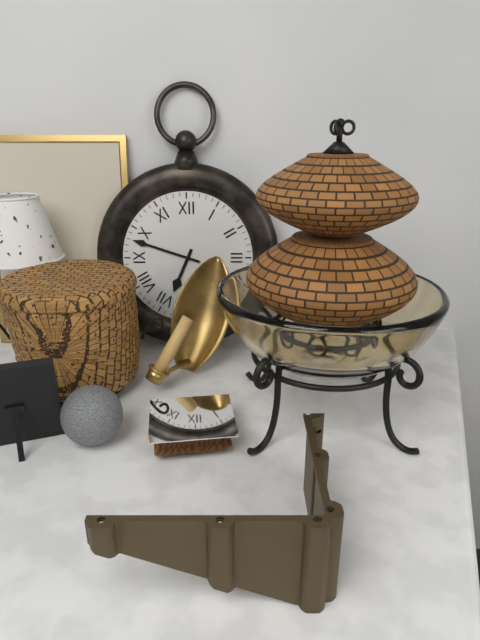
6 h 48 min
